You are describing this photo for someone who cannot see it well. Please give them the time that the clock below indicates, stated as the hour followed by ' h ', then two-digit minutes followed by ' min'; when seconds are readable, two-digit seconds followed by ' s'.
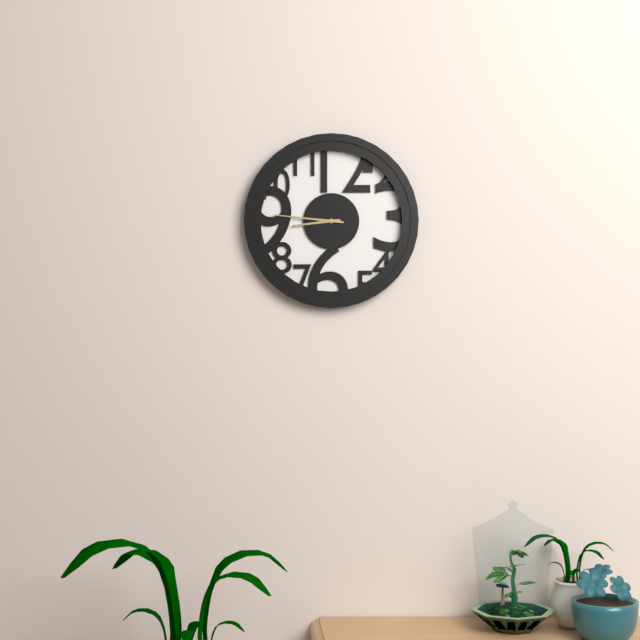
8 h 46 min
